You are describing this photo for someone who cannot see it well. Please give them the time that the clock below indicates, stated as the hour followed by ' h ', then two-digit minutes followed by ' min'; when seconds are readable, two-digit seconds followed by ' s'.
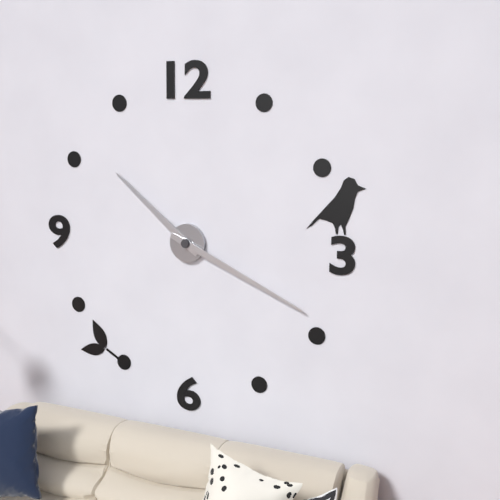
10 h 19 min
